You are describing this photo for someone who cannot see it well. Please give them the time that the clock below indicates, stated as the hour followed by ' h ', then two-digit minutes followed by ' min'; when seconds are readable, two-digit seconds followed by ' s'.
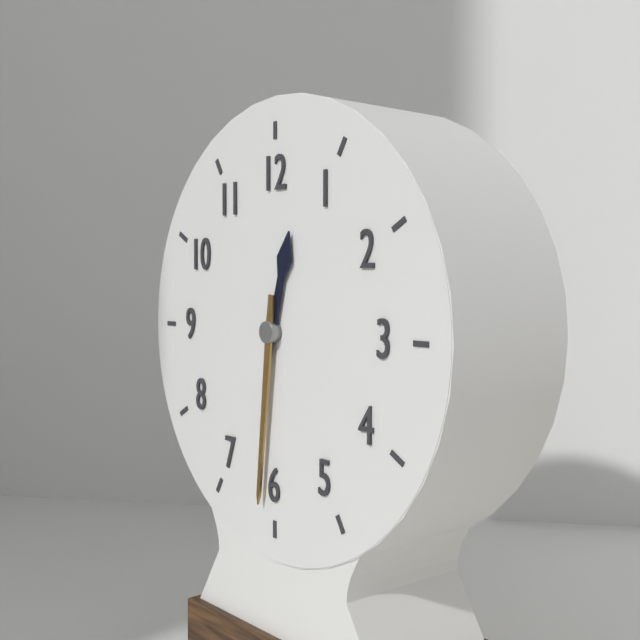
12 h 31 min
